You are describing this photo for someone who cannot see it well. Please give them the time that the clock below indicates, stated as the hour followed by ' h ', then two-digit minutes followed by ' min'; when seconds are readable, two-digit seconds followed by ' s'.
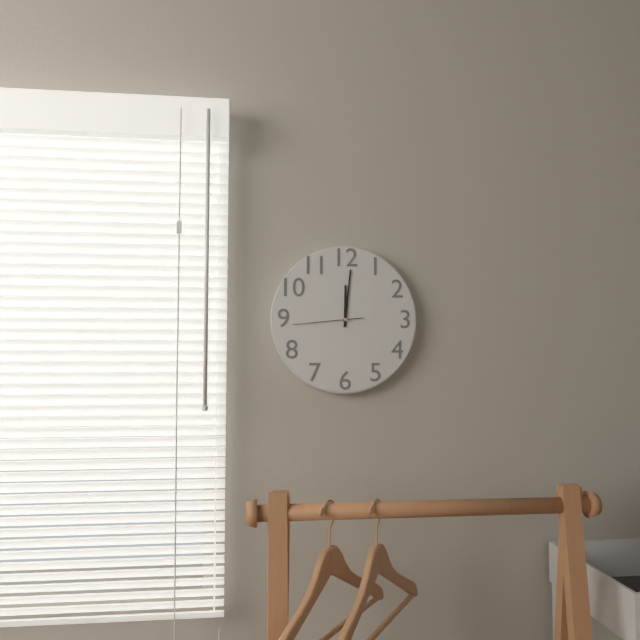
12 h 01 min 44 s
